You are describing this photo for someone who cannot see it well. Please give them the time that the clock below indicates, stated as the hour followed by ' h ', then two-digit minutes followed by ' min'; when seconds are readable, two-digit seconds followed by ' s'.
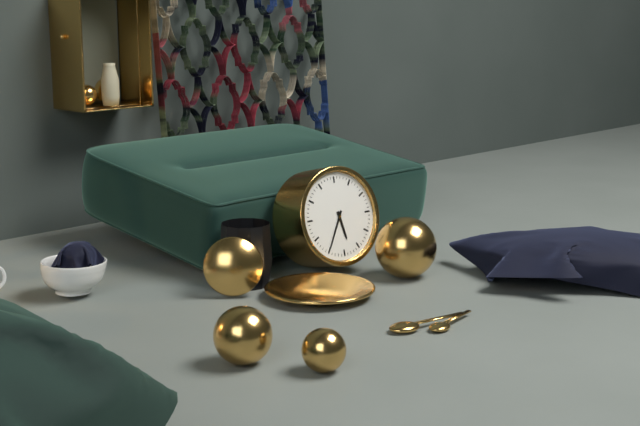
5 h 35 min
